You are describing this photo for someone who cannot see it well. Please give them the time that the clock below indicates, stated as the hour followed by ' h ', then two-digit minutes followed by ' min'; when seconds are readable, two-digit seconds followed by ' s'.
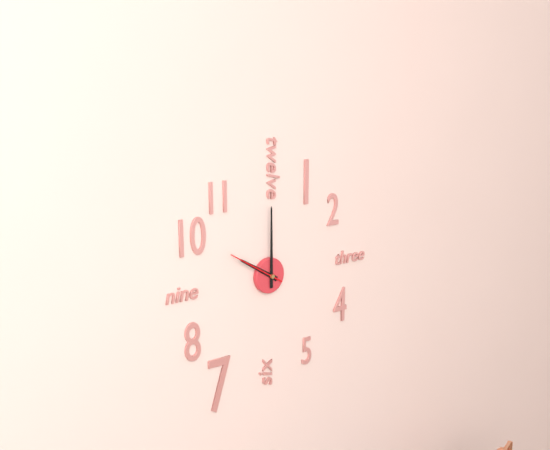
10 h 00 min 50 s
